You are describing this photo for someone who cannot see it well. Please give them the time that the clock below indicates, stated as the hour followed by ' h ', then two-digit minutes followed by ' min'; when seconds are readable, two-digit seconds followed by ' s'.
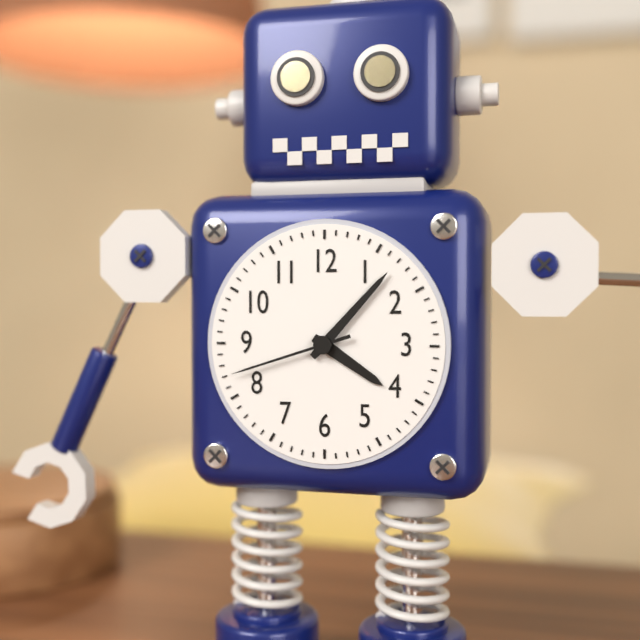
4 h 07 min 42 s
